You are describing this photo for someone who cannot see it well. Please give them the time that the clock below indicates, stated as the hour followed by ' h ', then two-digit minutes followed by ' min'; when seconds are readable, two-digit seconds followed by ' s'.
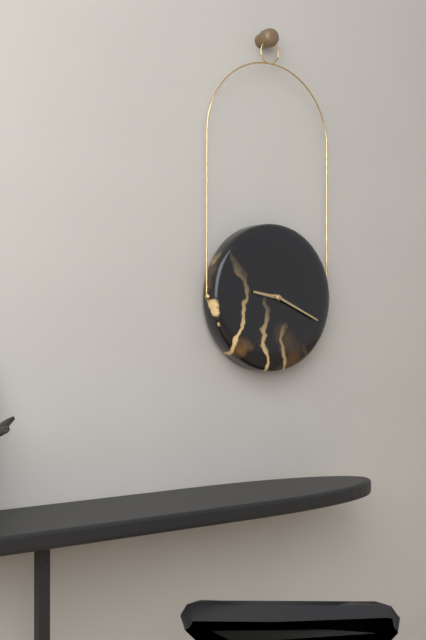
9 h 19 min
